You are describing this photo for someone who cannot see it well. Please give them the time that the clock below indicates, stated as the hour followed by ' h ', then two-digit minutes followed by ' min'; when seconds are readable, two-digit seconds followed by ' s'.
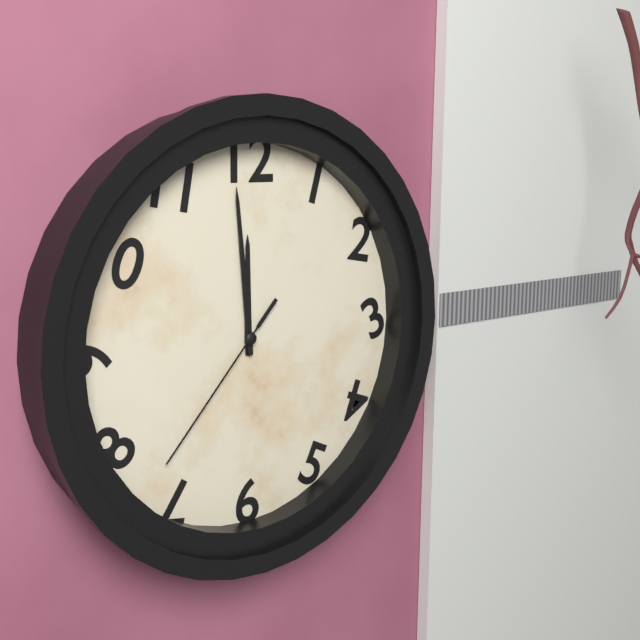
11 h 59 min 37 s
